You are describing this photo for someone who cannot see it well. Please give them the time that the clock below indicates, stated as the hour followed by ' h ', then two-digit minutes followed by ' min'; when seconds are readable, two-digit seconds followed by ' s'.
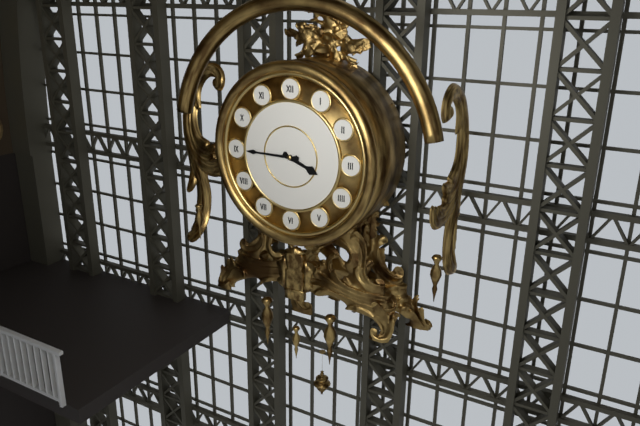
3 h 45 min
